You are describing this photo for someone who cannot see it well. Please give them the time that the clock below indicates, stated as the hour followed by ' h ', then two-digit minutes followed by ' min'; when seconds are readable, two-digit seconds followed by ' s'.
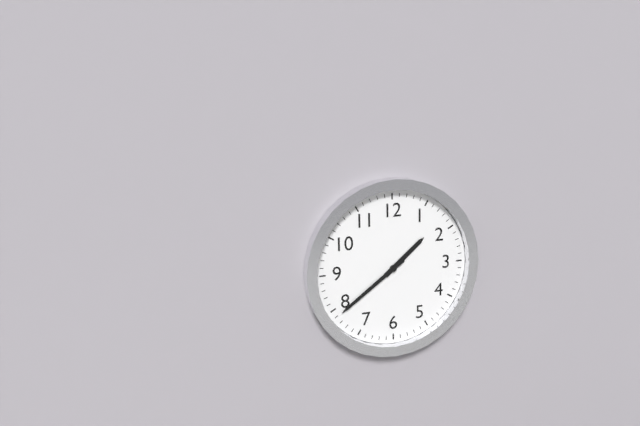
1 h 39 min
